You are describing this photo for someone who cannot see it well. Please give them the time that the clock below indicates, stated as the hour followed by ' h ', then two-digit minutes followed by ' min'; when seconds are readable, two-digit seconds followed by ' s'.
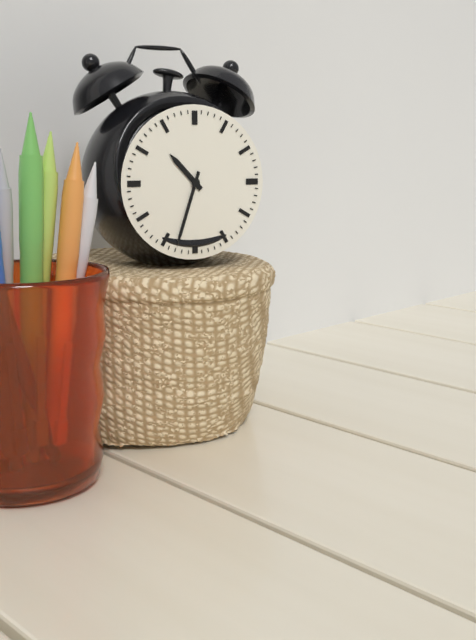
10 h 33 min
